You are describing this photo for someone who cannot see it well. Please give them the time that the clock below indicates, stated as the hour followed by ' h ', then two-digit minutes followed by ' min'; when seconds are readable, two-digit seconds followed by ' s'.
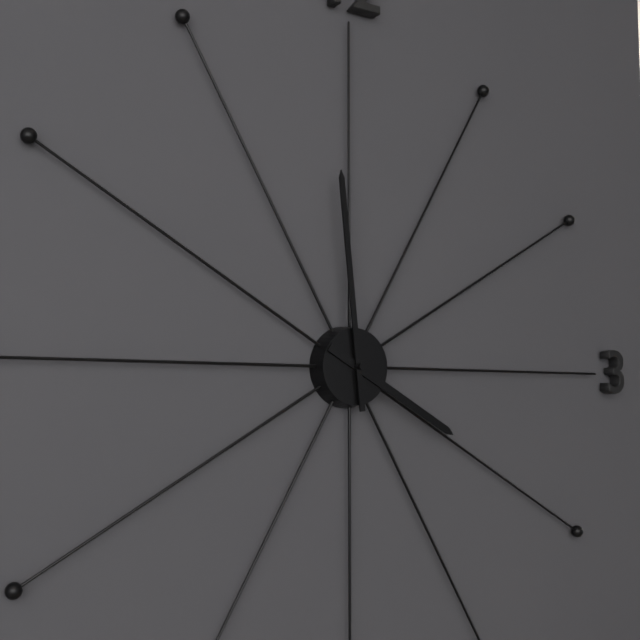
3 h 59 min
